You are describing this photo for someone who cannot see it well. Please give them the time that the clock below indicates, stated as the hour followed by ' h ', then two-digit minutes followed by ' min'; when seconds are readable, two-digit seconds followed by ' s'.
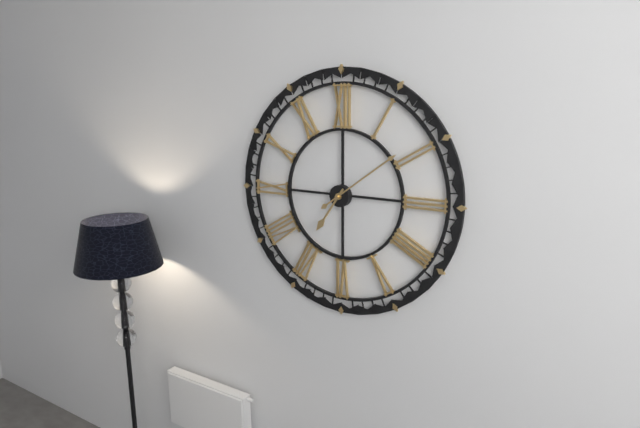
7 h 09 min
